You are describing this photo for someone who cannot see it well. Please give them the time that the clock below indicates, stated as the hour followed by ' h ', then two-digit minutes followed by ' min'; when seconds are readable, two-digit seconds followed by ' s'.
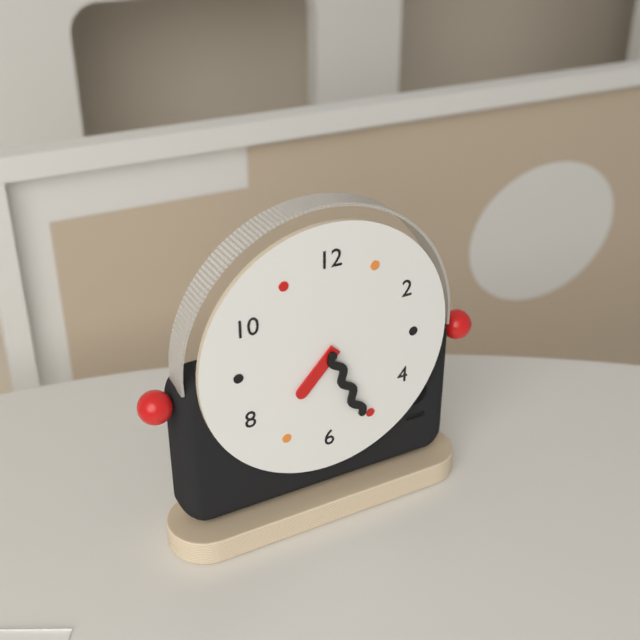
7 h 26 min
